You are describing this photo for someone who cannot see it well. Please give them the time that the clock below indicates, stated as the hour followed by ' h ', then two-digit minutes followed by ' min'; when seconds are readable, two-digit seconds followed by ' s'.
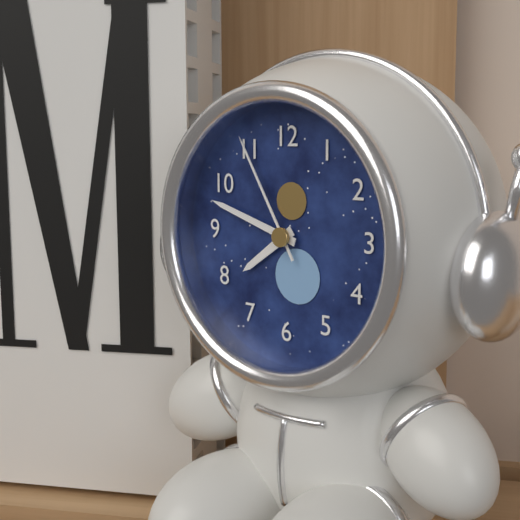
7 h 48 min 55 s
